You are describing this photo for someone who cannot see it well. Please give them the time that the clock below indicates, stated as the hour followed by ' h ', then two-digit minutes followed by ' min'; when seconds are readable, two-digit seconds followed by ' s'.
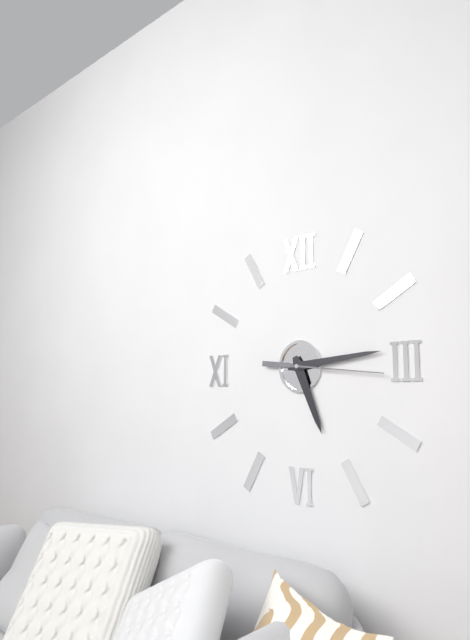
5 h 14 min 16 s
